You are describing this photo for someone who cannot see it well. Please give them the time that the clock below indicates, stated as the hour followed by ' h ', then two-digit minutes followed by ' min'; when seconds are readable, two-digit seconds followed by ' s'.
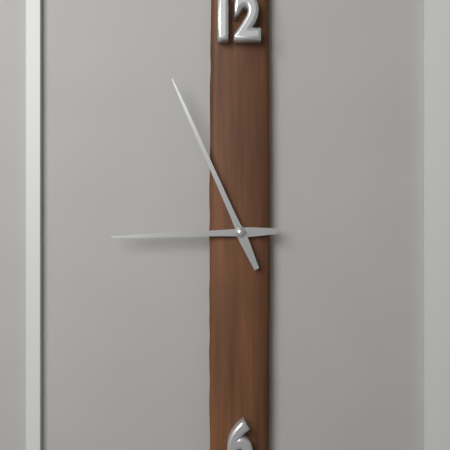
8 h 56 min
